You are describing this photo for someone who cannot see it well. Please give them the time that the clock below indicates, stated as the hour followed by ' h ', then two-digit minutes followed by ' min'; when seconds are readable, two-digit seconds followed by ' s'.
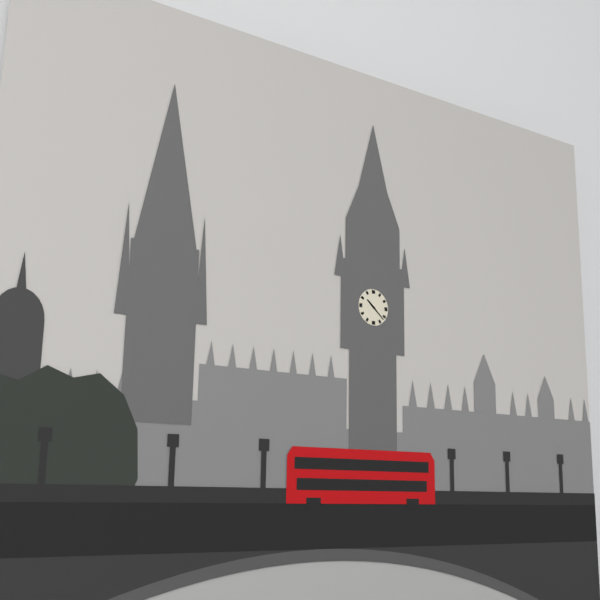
10 h 22 min
